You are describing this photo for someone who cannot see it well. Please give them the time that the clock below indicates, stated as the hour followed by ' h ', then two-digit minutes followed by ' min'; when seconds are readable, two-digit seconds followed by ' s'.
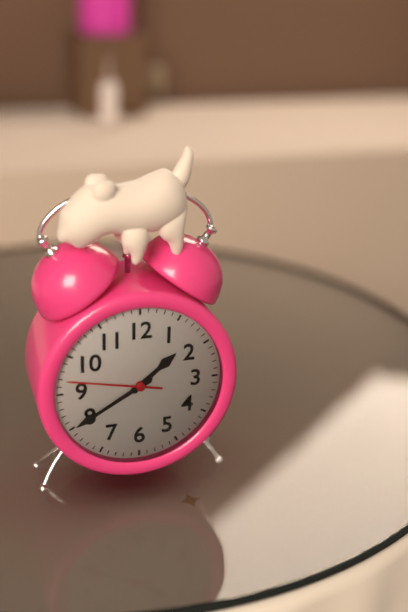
1 h 40 min 47 s
